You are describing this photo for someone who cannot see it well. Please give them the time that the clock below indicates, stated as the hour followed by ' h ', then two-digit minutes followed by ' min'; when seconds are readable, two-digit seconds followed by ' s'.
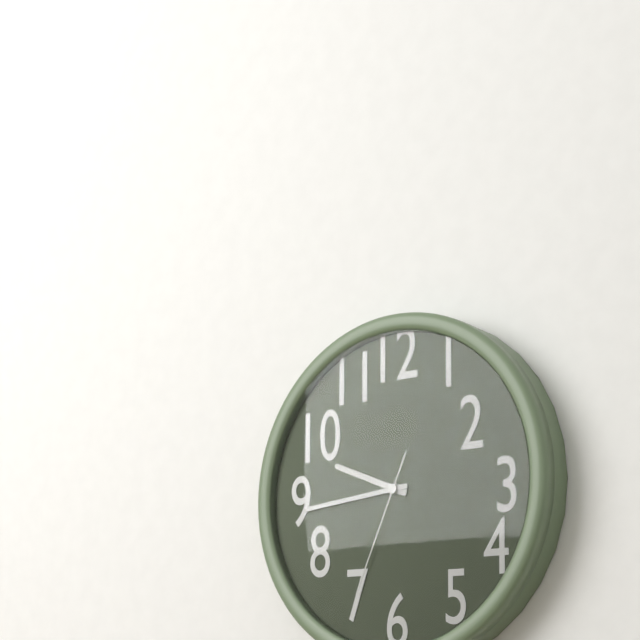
9 h 44 min 34 s
